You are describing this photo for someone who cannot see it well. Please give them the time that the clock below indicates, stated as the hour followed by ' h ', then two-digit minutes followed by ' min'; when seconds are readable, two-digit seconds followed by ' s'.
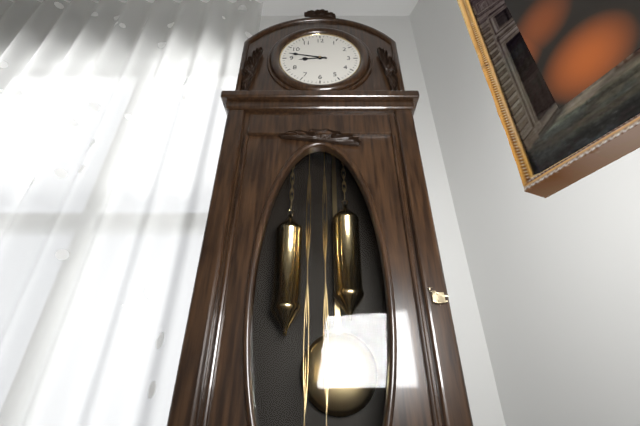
8 h 47 min
